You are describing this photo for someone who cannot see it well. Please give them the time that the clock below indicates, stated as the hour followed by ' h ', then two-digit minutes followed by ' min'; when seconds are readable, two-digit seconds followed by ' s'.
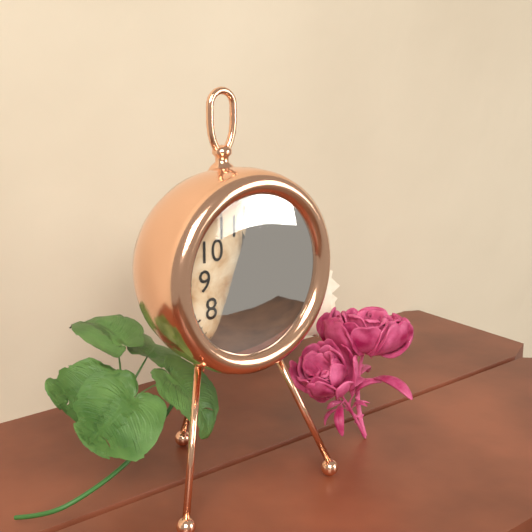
11 h 30 min
